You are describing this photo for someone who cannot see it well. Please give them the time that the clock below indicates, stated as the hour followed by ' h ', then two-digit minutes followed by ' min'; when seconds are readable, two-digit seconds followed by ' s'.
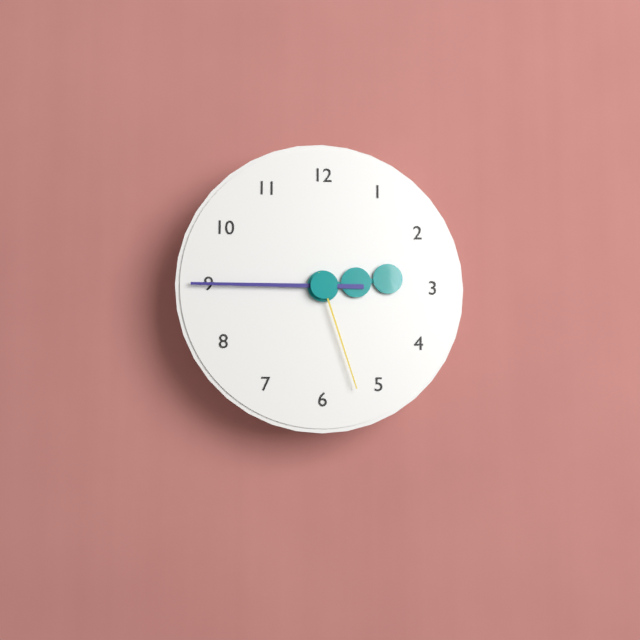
2 h 45 min 27 s
